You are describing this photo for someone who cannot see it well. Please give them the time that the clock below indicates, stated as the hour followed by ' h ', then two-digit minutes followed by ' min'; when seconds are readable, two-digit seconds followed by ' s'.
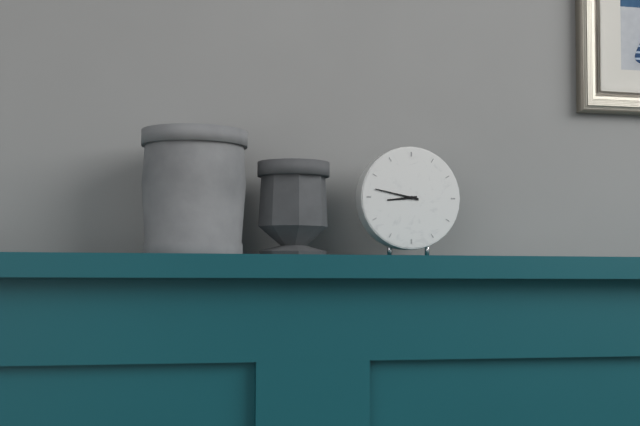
8 h 47 min
